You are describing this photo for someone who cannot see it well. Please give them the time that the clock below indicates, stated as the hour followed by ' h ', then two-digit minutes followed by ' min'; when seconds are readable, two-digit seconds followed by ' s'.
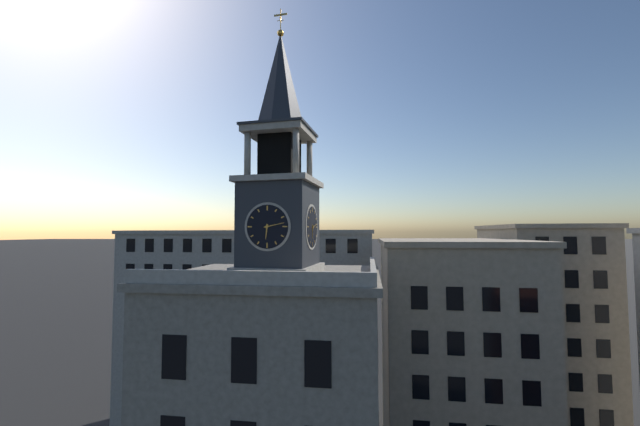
6 h 13 min
